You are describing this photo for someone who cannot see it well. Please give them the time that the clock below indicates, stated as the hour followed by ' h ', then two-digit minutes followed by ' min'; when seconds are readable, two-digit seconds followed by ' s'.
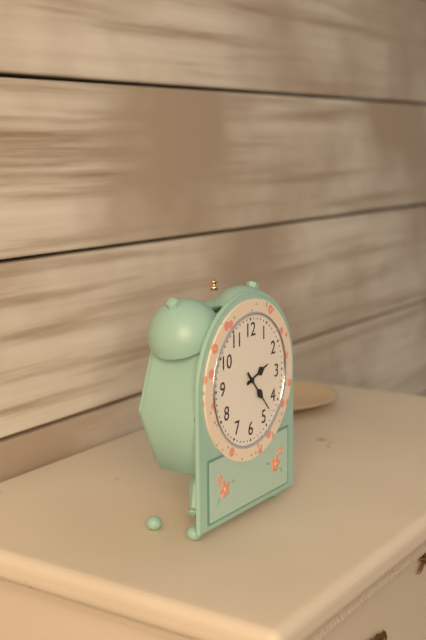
2 h 23 min
